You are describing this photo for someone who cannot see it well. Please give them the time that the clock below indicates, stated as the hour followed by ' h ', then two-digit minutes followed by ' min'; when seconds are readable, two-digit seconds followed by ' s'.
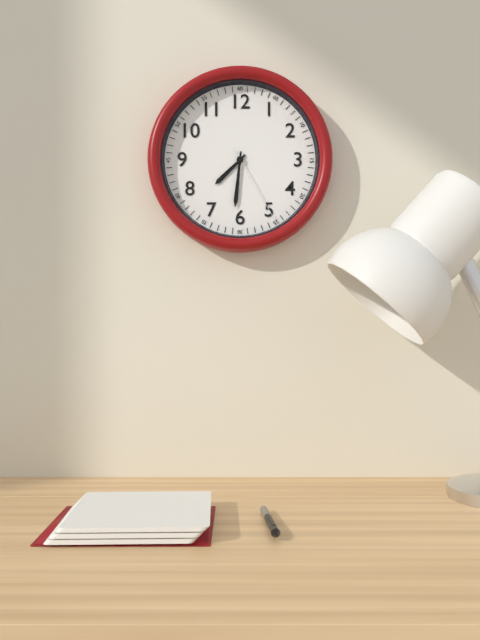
7 h 31 min 25 s
